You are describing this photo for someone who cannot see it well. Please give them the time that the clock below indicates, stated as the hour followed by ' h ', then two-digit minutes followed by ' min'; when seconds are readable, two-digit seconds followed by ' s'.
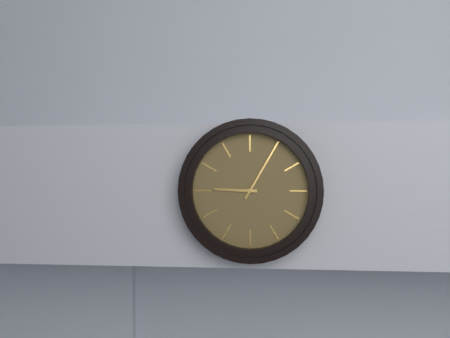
9 h 05 min
